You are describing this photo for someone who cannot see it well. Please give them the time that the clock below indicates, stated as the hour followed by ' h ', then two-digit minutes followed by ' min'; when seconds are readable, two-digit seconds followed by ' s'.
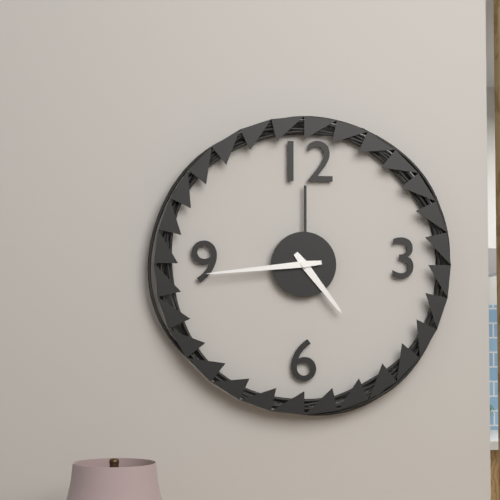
4 h 44 min
